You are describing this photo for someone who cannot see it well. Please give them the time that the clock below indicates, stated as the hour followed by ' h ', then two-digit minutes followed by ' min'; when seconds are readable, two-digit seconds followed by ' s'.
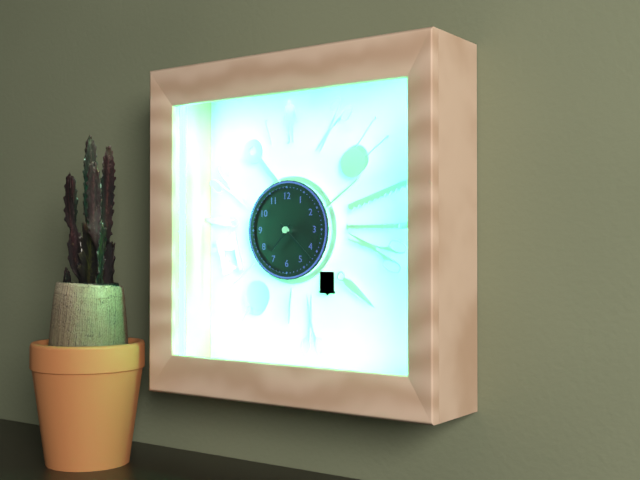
7 h 22 min
